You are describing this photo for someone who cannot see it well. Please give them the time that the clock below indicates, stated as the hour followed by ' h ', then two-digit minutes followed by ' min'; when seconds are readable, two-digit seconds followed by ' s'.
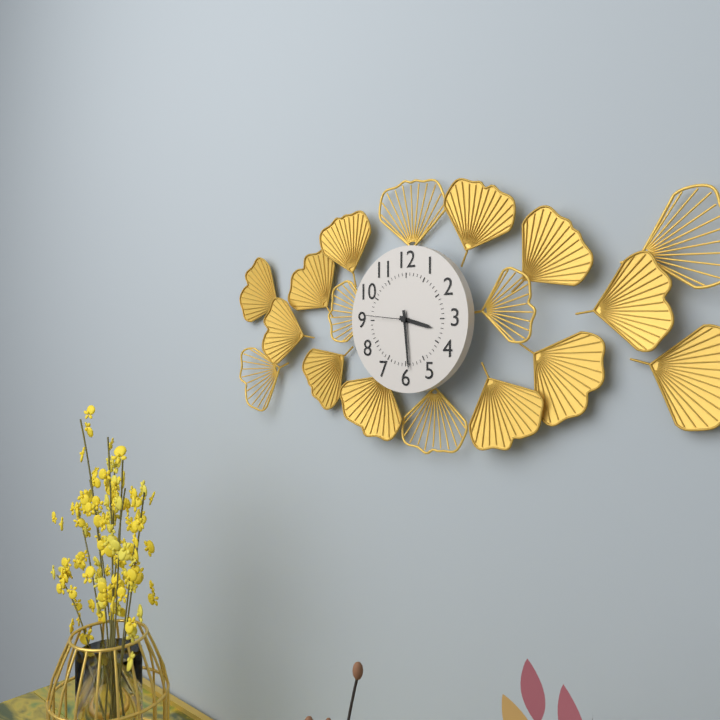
3 h 29 min 46 s
